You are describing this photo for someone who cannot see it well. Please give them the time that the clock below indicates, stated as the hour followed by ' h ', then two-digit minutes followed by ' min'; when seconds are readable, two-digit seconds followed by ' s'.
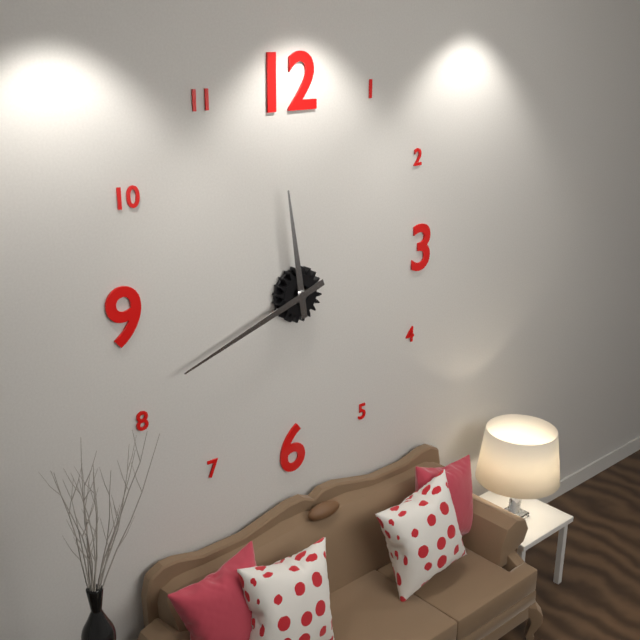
11 h 42 min
